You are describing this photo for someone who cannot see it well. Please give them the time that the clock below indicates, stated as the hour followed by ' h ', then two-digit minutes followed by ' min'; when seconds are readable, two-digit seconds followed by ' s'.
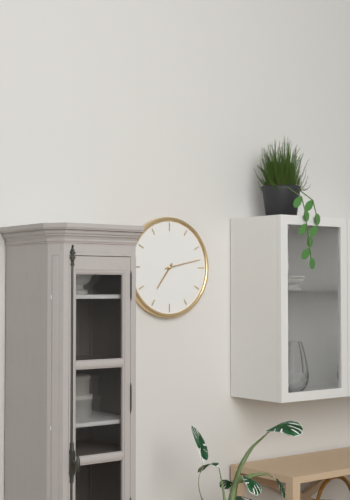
7 h 13 min
